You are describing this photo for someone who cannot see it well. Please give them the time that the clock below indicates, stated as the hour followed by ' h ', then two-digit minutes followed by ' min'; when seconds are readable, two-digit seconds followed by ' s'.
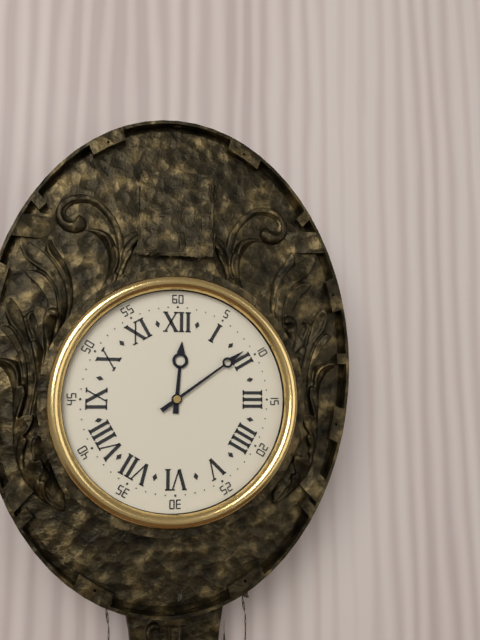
12 h 09 min
